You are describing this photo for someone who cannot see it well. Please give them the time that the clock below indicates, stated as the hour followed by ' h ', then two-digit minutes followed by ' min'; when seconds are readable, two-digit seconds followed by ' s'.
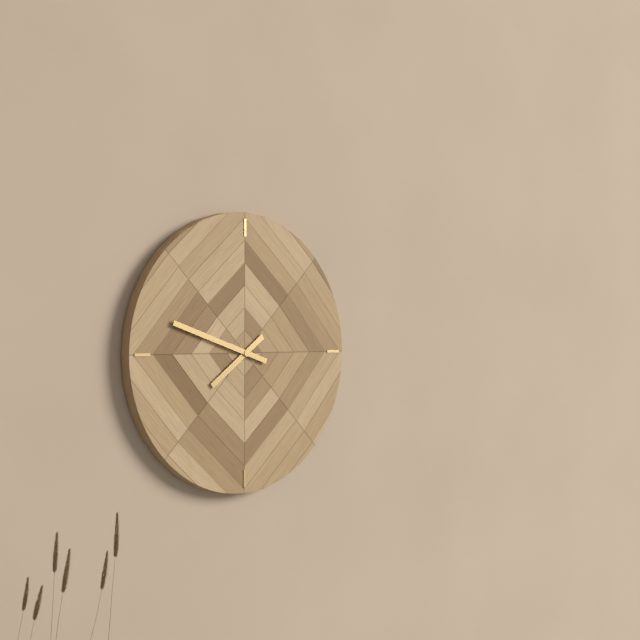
7 h 48 min
